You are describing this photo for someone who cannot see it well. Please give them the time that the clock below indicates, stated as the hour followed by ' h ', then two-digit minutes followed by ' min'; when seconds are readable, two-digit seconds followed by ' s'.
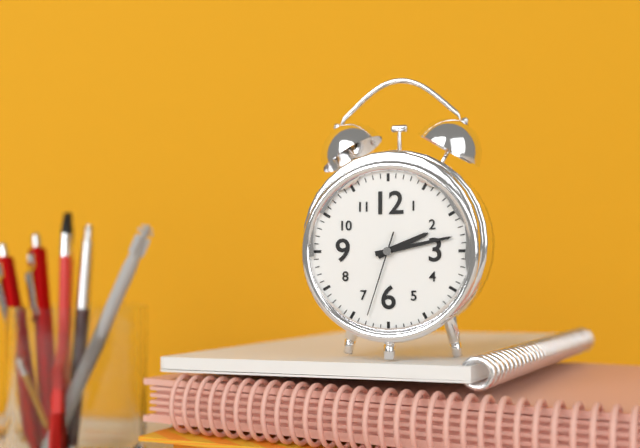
2 h 13 min 33 s
